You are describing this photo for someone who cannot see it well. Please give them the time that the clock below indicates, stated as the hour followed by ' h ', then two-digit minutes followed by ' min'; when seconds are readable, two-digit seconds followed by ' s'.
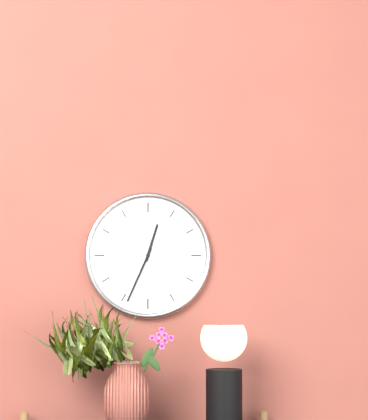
12 h 34 min
